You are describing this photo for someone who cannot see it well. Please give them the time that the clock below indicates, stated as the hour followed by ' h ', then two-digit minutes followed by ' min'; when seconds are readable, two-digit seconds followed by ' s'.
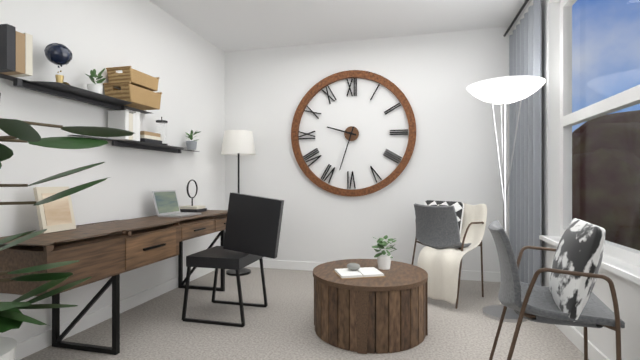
9 h 33 min
